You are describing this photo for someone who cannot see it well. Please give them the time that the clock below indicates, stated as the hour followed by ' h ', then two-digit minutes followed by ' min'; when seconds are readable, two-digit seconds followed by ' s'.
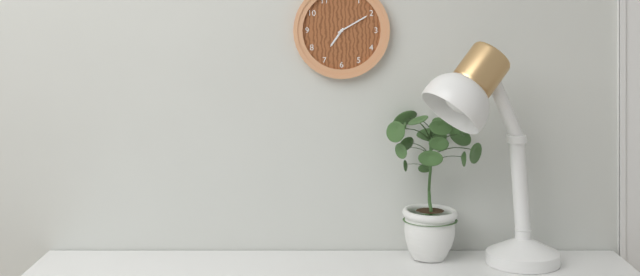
7 h 10 min
